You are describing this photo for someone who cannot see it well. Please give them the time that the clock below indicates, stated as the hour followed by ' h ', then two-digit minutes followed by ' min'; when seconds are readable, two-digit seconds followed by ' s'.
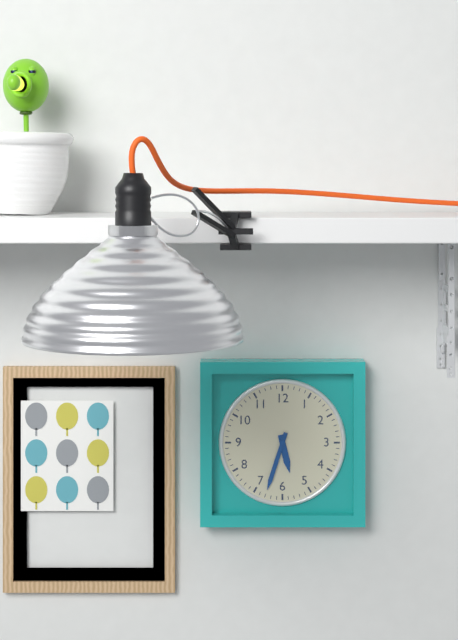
5 h 33 min
